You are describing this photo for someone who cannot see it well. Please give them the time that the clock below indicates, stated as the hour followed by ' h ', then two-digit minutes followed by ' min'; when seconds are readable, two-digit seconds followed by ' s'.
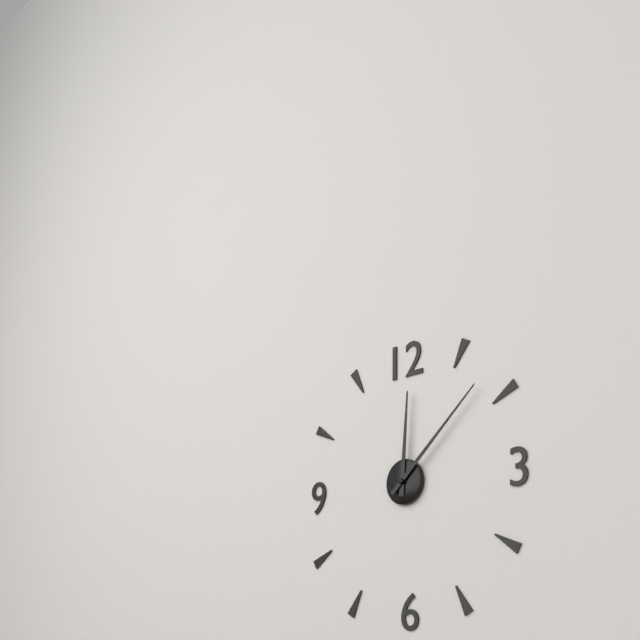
12 h 08 min
